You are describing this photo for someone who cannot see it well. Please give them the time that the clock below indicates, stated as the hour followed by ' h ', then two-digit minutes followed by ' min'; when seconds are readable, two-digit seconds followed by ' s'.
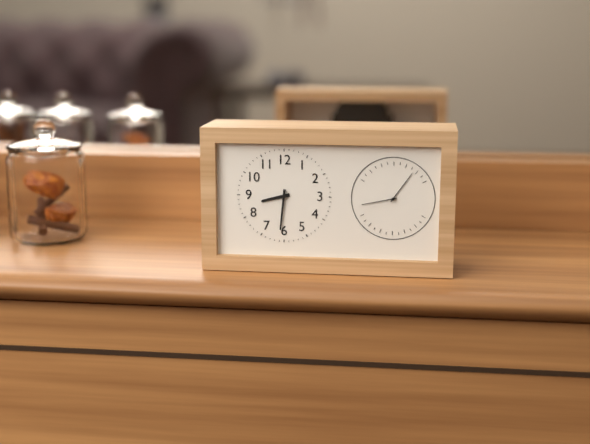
8 h 31 min
